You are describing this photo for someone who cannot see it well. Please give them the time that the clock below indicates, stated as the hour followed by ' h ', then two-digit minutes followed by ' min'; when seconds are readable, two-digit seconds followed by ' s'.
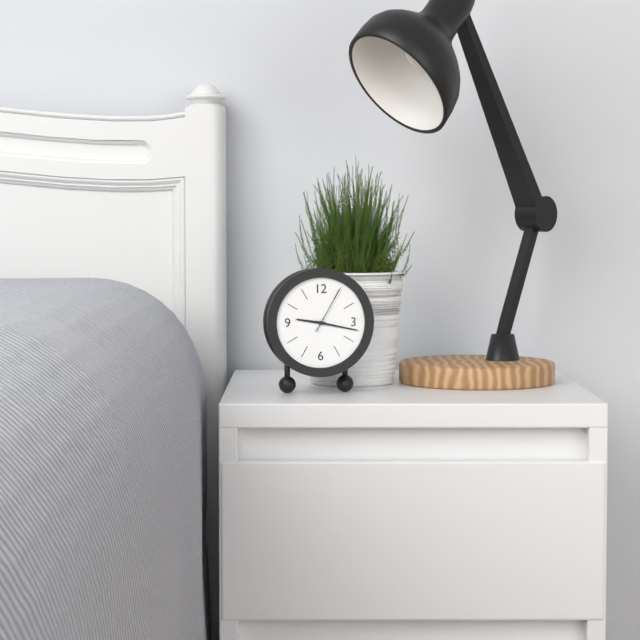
9 h 17 min 05 s
